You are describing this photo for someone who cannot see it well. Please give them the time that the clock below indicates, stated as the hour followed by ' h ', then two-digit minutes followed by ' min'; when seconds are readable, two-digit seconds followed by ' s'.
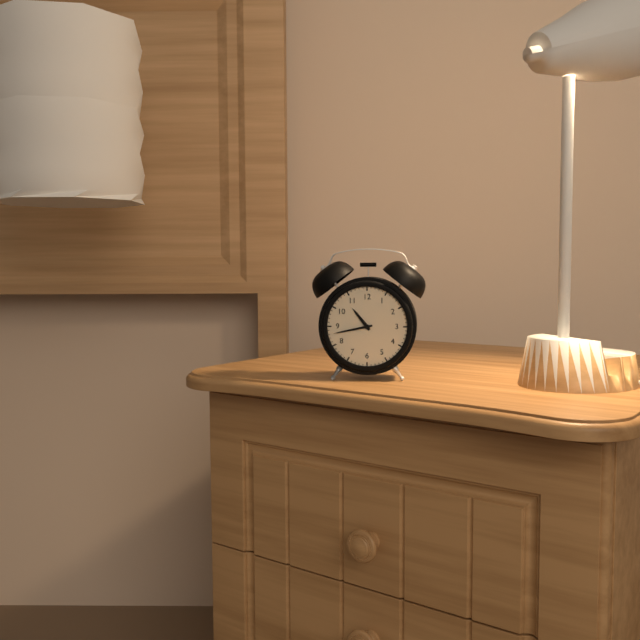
10 h 43 min
